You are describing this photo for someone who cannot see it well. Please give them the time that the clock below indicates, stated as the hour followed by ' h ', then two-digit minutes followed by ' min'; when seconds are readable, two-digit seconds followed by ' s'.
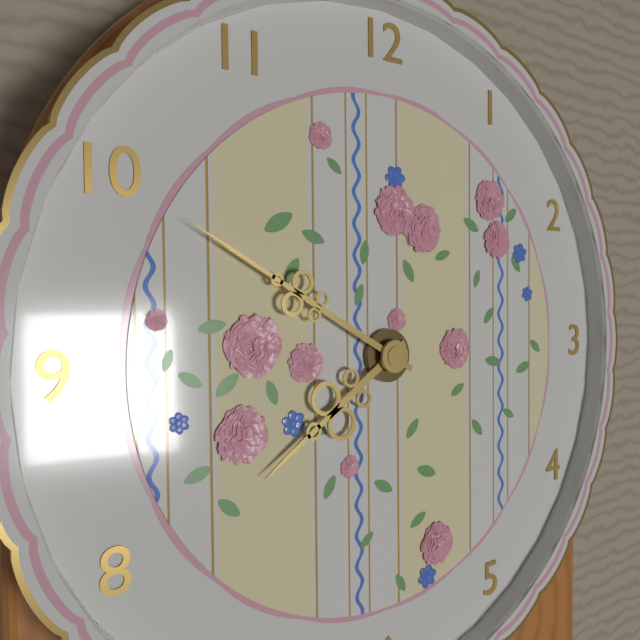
7 h 50 min
